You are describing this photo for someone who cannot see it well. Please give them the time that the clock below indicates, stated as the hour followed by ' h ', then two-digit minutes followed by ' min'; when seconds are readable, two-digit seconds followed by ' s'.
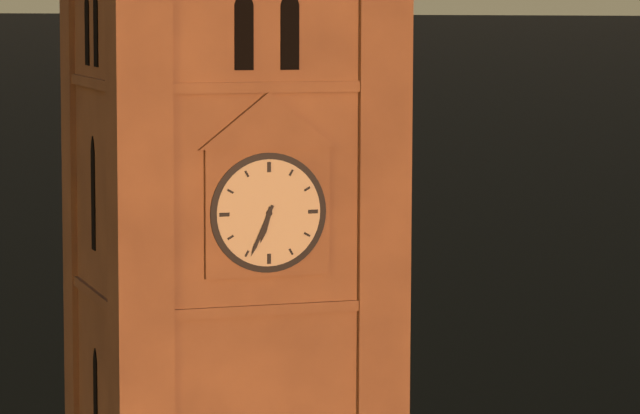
6 h 34 min
